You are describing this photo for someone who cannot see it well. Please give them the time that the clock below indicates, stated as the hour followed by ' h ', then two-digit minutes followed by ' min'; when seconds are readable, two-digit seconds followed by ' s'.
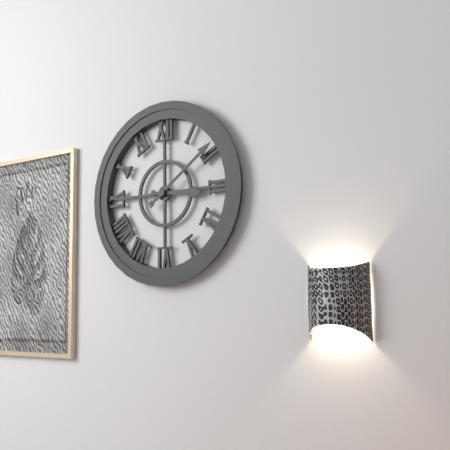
3 h 09 min
